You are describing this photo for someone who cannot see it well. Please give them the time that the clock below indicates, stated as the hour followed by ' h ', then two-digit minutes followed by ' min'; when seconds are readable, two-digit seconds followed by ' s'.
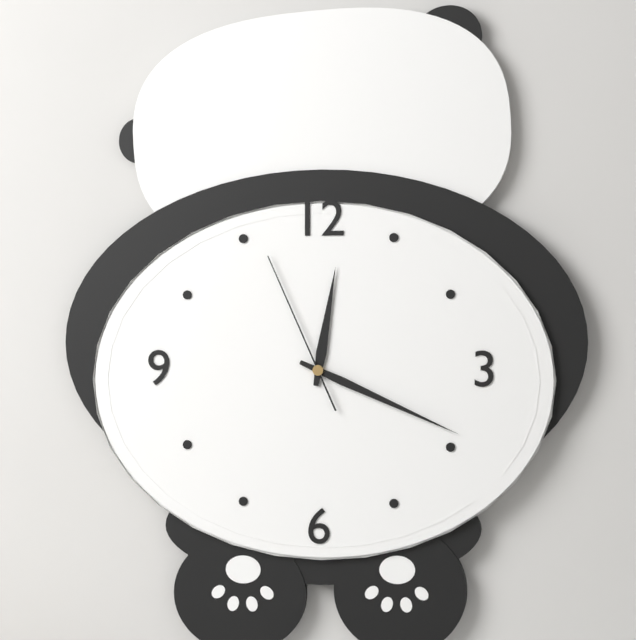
12 h 19 min 56 s
